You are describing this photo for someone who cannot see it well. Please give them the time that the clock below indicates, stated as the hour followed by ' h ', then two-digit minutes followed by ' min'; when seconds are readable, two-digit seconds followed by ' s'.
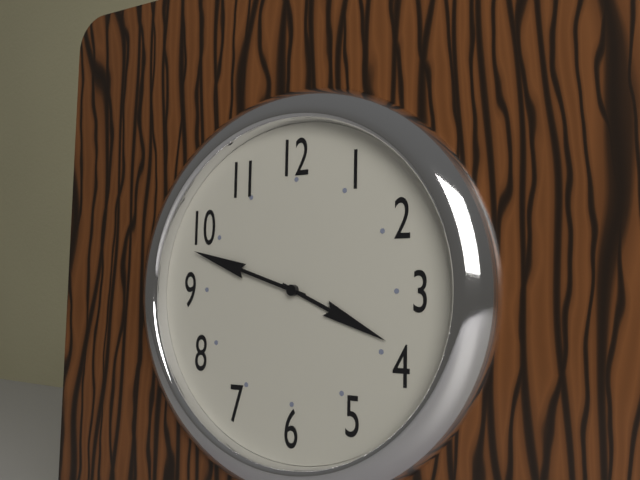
3 h 48 min
